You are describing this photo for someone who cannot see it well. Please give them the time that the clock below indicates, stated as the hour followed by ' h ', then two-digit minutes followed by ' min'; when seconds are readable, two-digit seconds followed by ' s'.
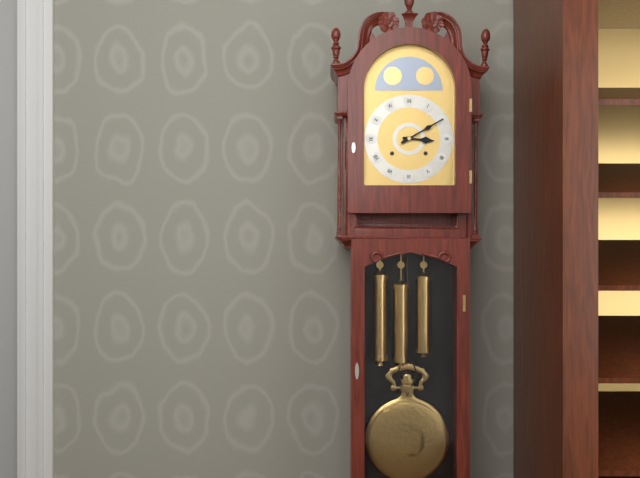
3 h 10 min
